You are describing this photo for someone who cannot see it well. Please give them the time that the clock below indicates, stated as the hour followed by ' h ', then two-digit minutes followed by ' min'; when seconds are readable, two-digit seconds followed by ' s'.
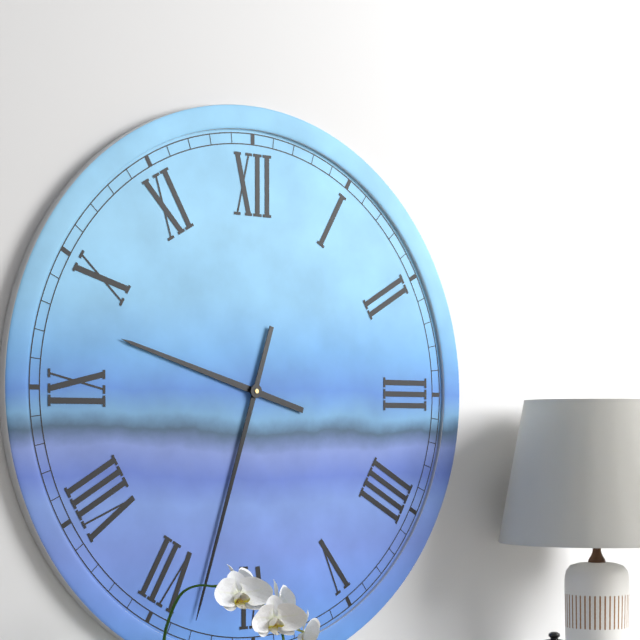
9 h 33 min
